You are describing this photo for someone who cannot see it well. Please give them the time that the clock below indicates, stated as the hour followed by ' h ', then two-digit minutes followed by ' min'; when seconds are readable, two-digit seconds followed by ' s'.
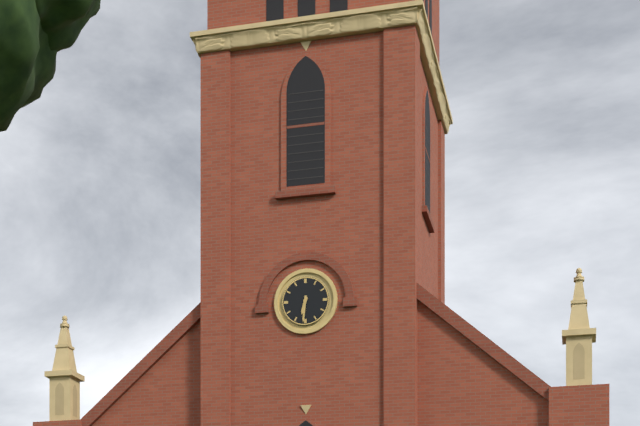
6 h 31 min
